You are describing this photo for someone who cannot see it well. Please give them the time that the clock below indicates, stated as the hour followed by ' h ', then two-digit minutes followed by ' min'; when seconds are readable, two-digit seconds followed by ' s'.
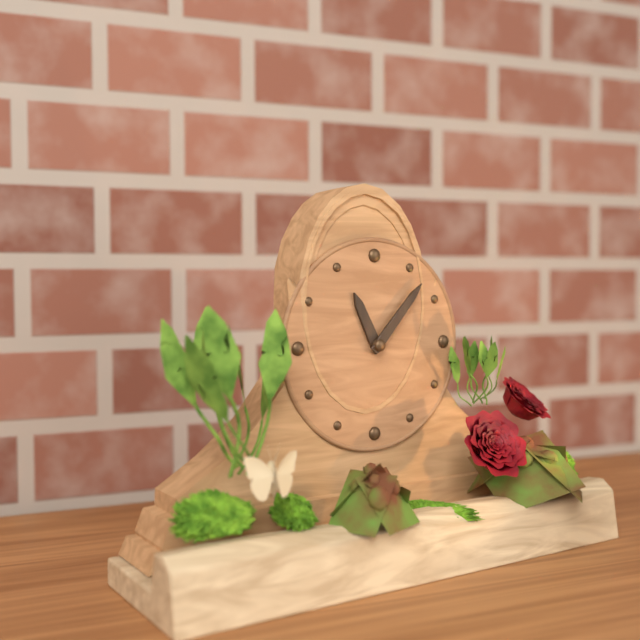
11 h 07 min
